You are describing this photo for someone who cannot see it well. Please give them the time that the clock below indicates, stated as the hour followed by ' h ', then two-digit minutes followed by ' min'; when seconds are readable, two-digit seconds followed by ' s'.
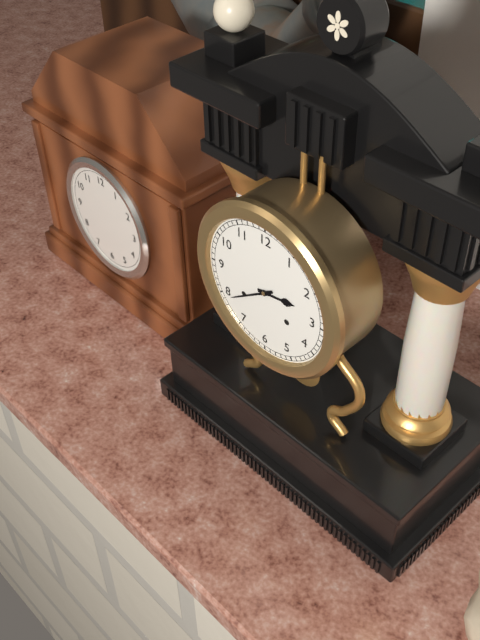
2 h 39 min
